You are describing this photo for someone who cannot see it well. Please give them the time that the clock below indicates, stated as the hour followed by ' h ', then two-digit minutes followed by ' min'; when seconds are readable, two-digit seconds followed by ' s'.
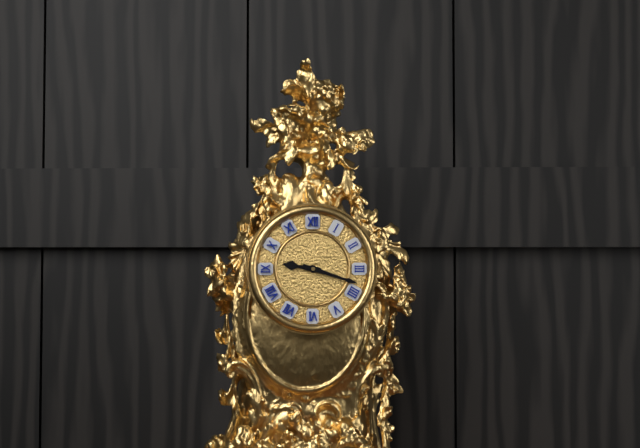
9 h 18 min
